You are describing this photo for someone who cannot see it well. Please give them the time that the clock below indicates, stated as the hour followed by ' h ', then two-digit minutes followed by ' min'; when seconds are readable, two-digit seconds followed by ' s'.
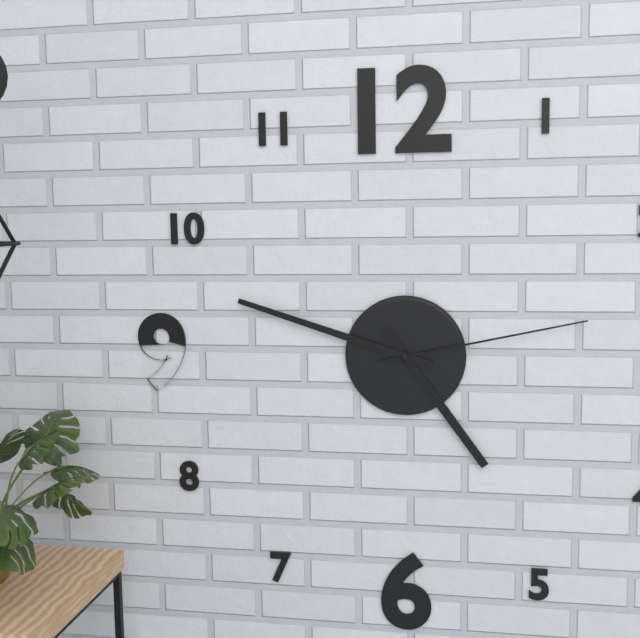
4 h 48 min 13 s
